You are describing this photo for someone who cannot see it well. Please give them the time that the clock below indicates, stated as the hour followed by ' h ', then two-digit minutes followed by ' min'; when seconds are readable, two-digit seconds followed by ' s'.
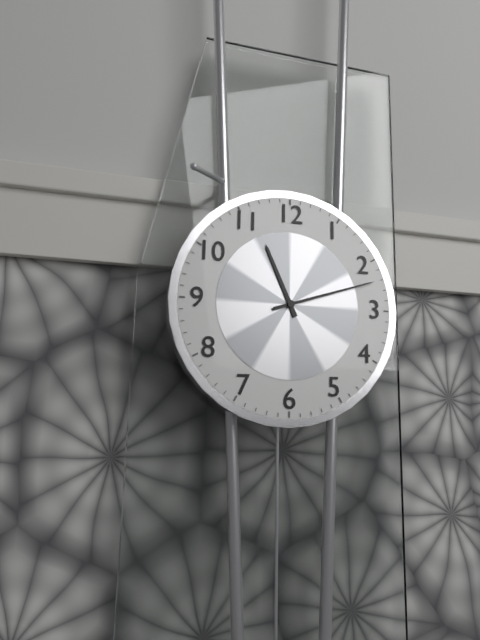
11 h 12 min
